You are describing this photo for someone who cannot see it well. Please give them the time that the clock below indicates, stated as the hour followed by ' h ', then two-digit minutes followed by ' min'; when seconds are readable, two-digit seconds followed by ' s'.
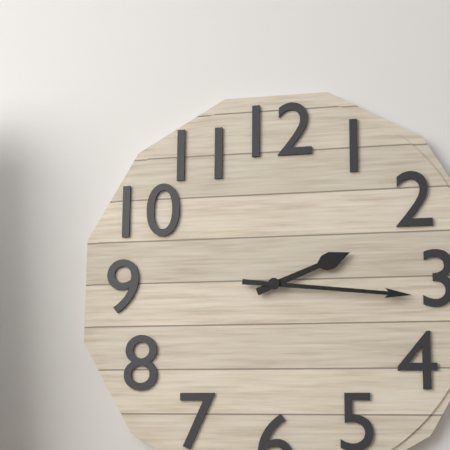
2 h 16 min
